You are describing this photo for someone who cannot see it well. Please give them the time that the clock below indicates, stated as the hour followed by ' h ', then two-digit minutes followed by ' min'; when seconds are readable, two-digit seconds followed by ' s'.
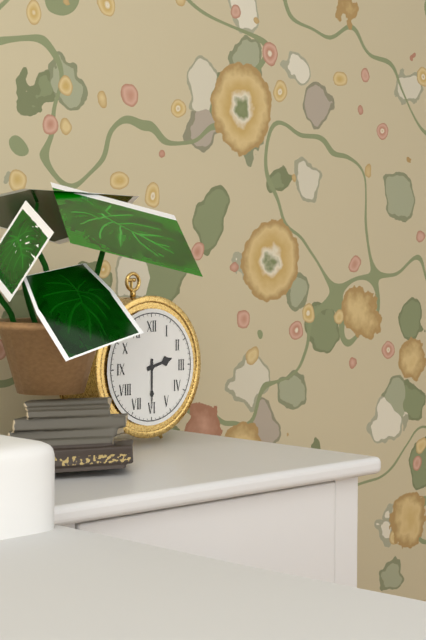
2 h 30 min
